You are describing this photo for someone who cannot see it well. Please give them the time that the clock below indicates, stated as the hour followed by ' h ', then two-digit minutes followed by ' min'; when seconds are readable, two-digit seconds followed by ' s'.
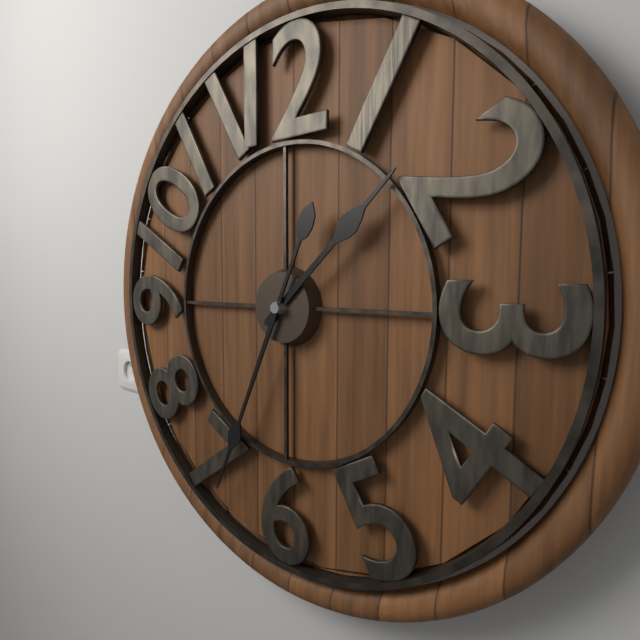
1 h 34 min
